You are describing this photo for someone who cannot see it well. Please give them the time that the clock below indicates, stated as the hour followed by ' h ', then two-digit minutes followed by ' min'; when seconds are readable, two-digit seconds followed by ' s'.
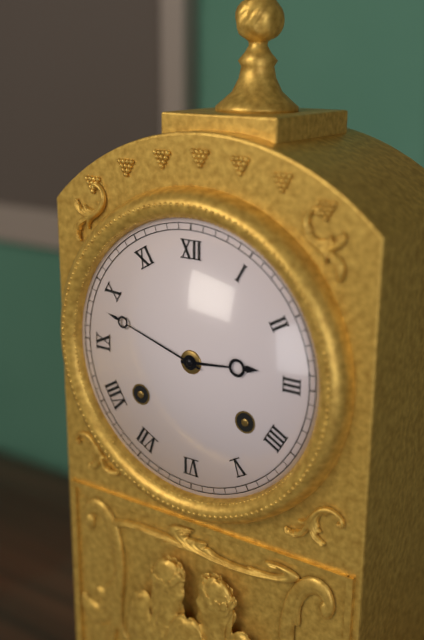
2 h 48 min
